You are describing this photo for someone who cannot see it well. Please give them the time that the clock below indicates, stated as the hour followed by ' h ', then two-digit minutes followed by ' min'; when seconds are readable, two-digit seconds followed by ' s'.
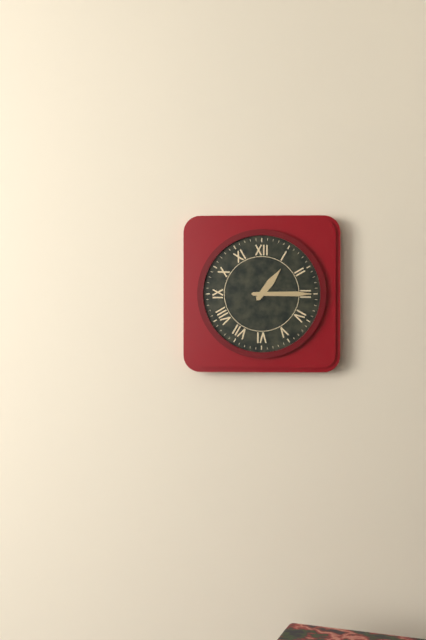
1 h 15 min
